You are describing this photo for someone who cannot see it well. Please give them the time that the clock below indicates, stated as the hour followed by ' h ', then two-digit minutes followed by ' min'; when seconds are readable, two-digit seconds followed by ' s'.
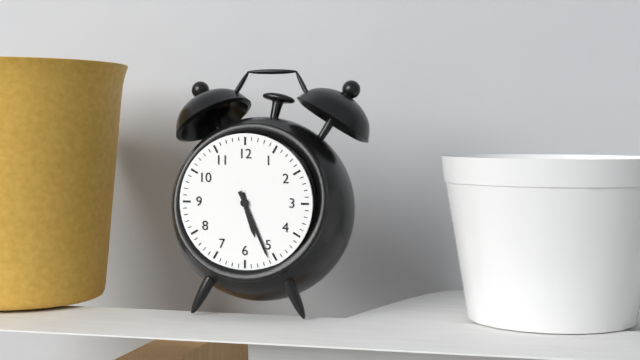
5 h 26 min
